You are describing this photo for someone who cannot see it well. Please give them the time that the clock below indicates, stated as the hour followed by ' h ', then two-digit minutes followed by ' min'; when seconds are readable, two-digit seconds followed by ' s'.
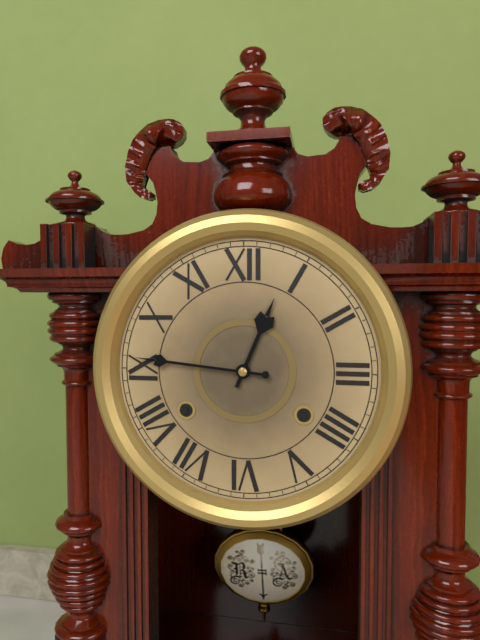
12 h 46 min
